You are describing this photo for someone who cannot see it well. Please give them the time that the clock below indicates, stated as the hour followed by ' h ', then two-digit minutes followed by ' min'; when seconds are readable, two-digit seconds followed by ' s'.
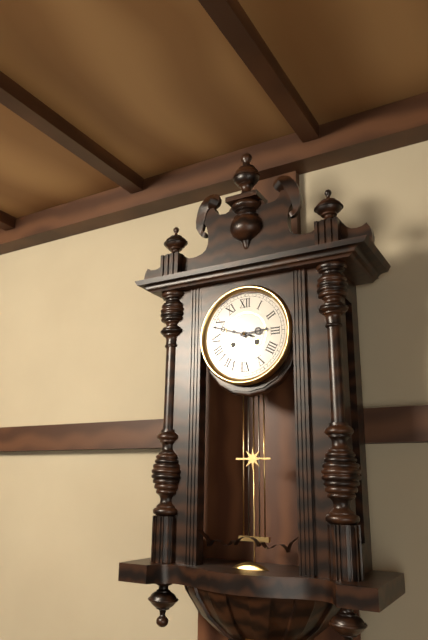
2 h 48 min
